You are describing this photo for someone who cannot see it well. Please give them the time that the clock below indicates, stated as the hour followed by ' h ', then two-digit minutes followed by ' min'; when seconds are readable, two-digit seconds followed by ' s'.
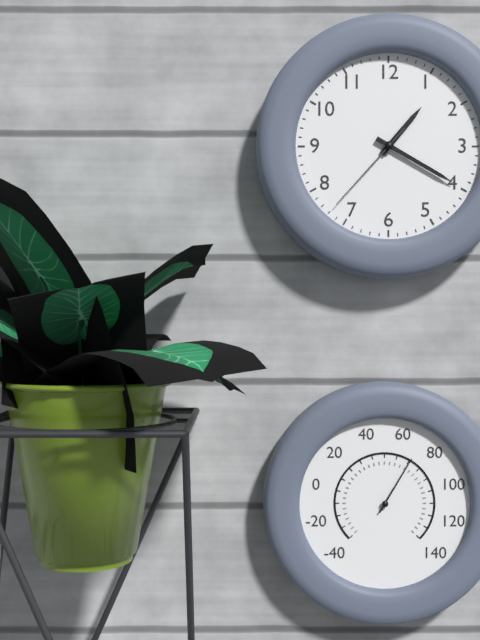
1 h 20 min 37 s
